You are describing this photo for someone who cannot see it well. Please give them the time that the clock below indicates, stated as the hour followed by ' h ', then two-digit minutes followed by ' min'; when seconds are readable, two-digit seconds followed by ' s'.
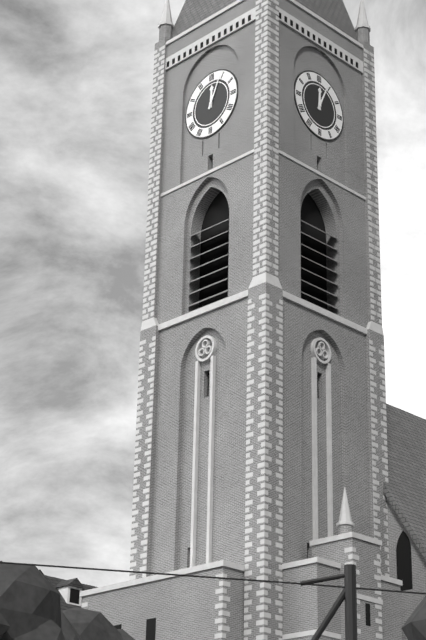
12 h 04 min
